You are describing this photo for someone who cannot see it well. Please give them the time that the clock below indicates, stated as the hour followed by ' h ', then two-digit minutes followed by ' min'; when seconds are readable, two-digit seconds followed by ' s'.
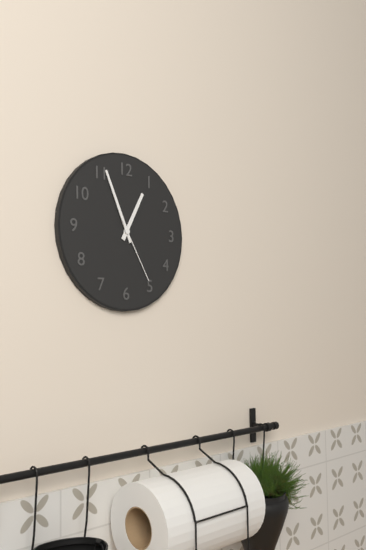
12 h 56 min 25 s
